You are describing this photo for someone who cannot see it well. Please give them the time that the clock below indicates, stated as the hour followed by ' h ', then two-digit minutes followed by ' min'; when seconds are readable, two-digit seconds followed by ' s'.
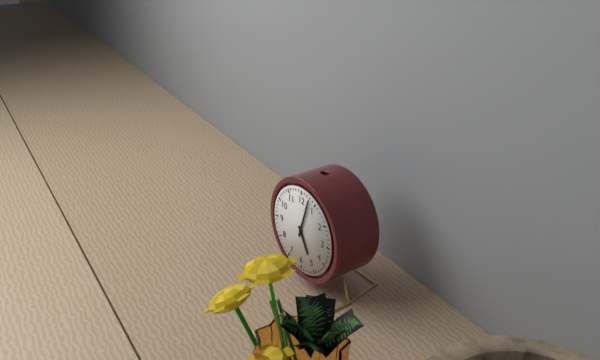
5 h 03 min
